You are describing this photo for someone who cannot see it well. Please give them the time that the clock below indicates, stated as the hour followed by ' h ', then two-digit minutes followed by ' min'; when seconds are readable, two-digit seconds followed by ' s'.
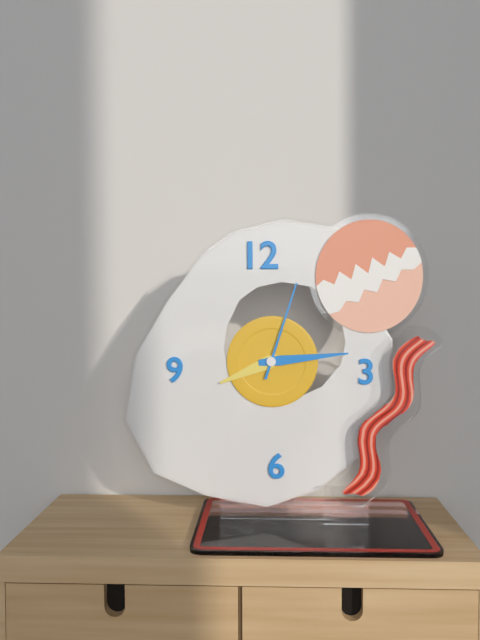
8 h 14 min 03 s
